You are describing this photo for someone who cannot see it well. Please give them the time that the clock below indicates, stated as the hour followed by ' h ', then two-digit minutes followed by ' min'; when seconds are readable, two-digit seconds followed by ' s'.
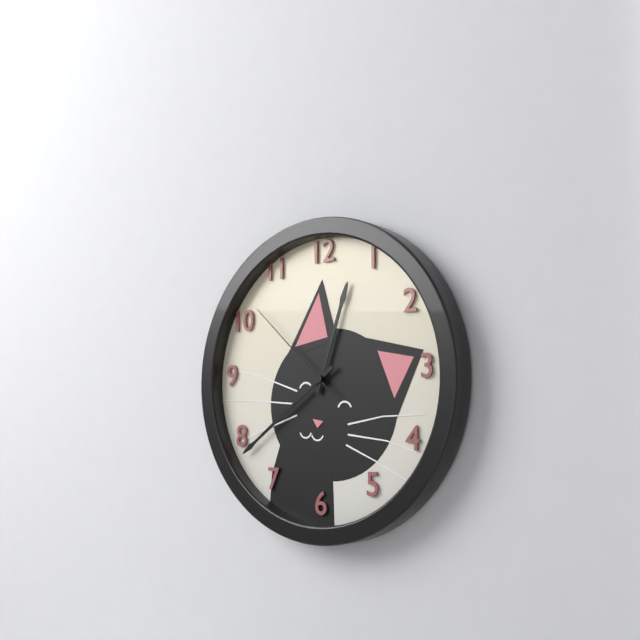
12 h 39 min 52 s
